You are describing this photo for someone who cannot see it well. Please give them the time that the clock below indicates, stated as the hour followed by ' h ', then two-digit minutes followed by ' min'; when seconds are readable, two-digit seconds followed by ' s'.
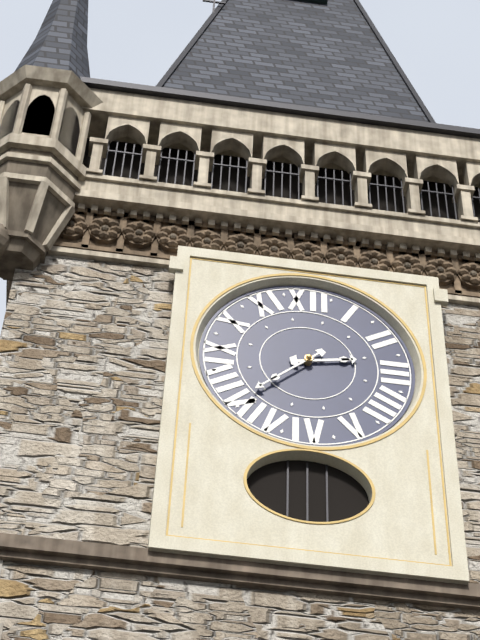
2 h 38 min
